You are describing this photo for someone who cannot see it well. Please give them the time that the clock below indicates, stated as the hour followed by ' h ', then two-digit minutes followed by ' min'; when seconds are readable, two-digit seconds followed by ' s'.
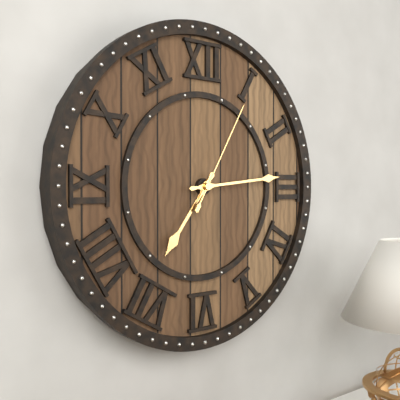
7 h 14 min 05 s
